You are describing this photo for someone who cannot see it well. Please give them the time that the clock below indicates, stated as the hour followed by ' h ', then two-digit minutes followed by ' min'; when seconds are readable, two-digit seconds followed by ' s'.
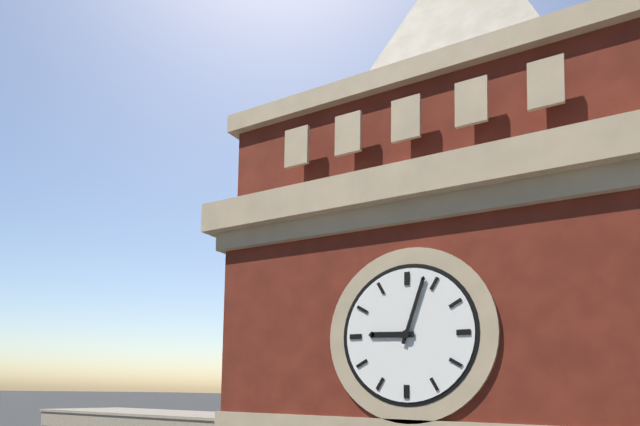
9 h 03 min
